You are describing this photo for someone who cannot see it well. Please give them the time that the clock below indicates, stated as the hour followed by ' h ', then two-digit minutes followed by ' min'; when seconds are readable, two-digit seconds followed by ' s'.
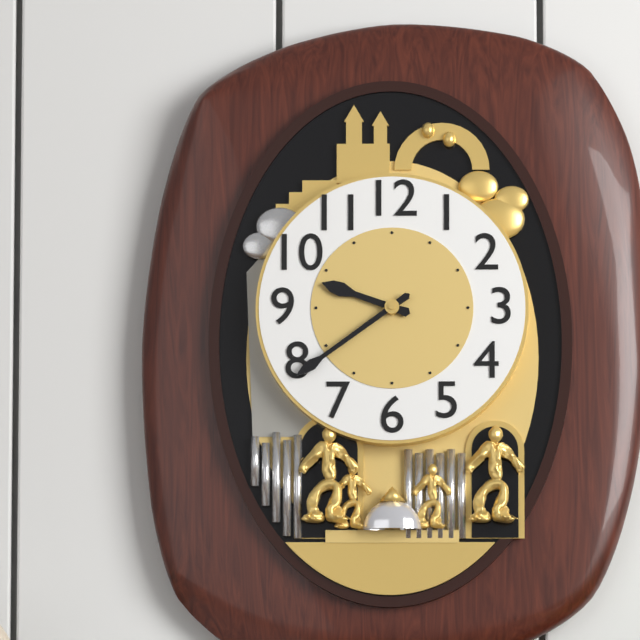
9 h 39 min
